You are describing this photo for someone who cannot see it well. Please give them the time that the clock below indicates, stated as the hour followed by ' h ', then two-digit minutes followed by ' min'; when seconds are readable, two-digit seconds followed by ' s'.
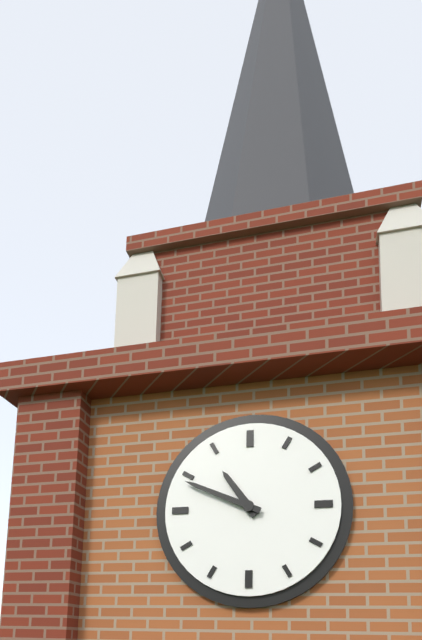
10 h 49 min
